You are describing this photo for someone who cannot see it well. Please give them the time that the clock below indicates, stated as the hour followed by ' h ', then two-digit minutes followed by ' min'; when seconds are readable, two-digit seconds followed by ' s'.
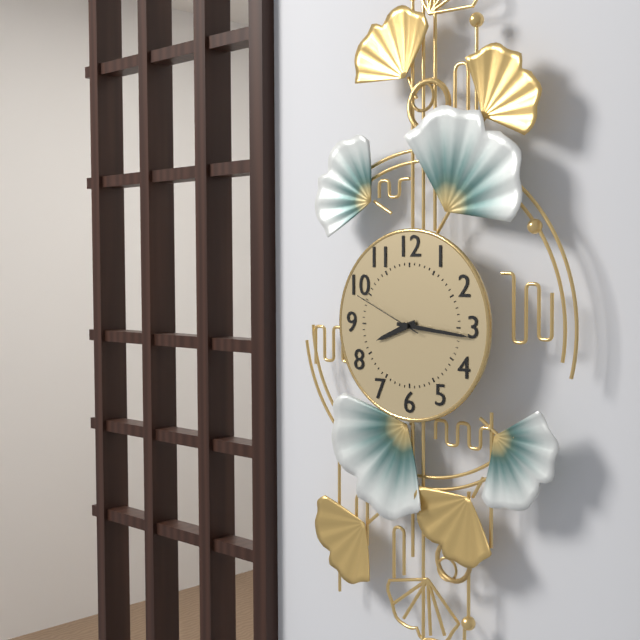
8 h 16 min 49 s
